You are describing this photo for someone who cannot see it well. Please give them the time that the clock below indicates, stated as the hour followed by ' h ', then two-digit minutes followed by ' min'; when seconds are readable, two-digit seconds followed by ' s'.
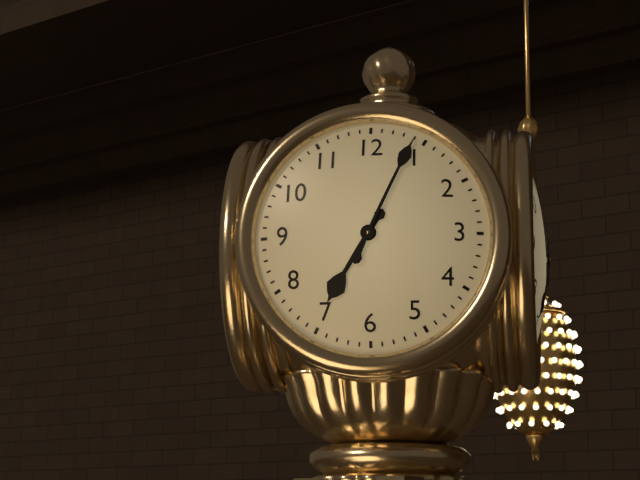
7 h 04 min
